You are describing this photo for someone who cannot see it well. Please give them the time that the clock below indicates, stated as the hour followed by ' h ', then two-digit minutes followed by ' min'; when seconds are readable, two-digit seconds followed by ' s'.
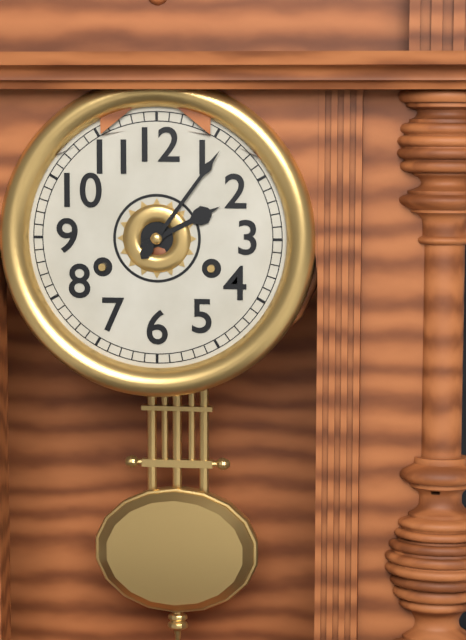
2 h 06 min
